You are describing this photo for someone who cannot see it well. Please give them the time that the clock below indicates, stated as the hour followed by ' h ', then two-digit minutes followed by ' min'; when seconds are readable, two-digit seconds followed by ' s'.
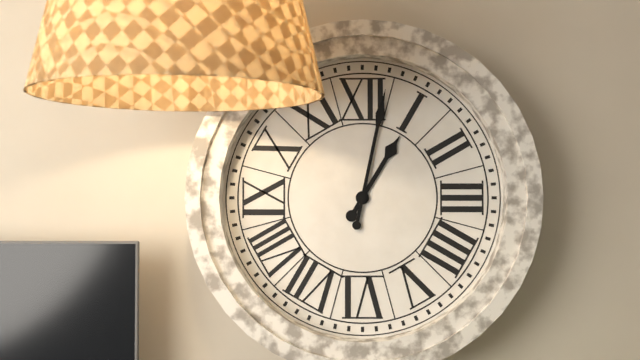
1 h 02 min
